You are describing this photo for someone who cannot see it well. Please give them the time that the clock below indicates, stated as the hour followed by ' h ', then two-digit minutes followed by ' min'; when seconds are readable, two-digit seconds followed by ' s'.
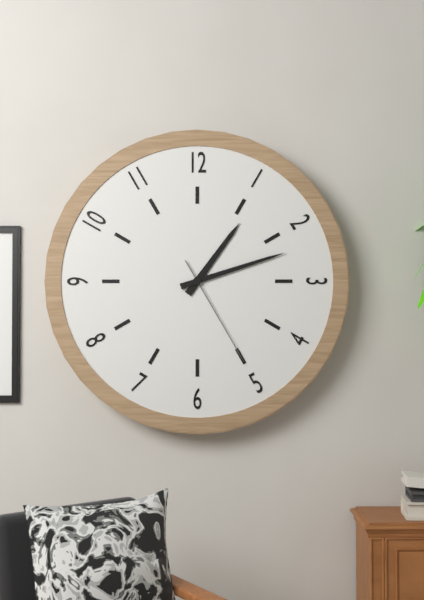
1 h 12 min 25 s
